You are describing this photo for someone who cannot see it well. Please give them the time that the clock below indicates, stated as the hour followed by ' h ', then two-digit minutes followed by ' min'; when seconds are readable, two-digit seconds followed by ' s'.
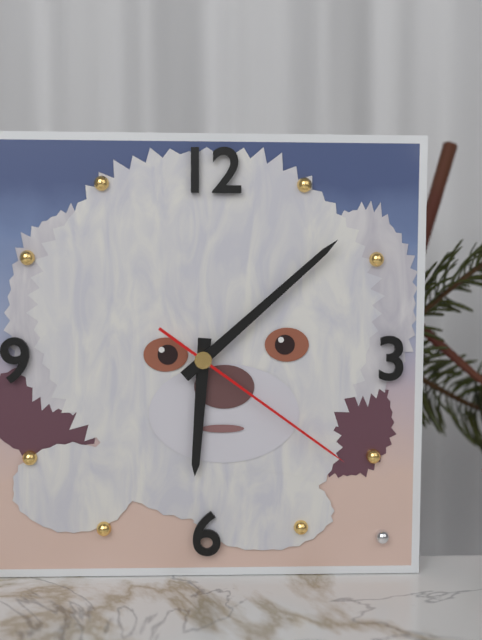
6 h 08 min 21 s
